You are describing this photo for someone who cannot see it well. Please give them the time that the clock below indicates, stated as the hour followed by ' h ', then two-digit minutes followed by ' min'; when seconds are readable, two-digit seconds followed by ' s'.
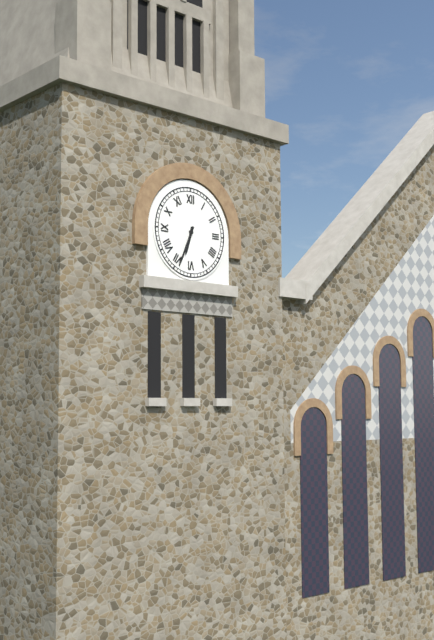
6 h 34 min
